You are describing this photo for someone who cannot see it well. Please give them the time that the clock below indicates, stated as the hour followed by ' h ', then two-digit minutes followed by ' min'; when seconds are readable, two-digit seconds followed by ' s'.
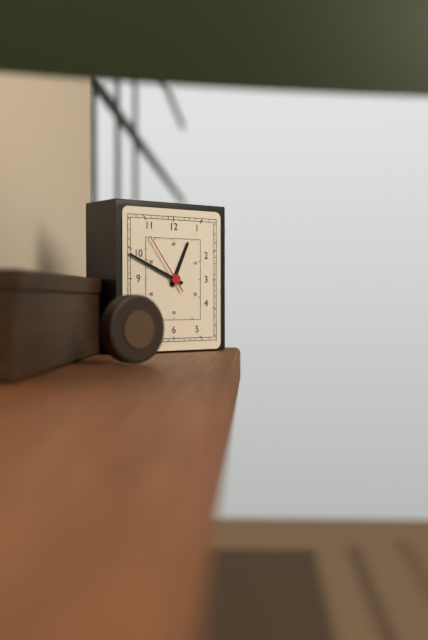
12 h 49 min 54 s
